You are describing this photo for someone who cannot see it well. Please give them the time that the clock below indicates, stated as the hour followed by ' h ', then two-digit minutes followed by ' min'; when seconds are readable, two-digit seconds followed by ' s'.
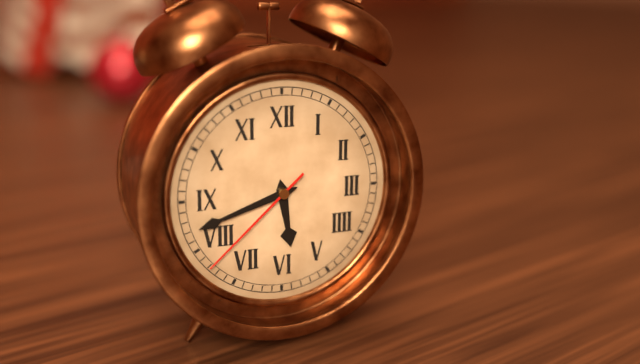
5 h 42 min 38 s
